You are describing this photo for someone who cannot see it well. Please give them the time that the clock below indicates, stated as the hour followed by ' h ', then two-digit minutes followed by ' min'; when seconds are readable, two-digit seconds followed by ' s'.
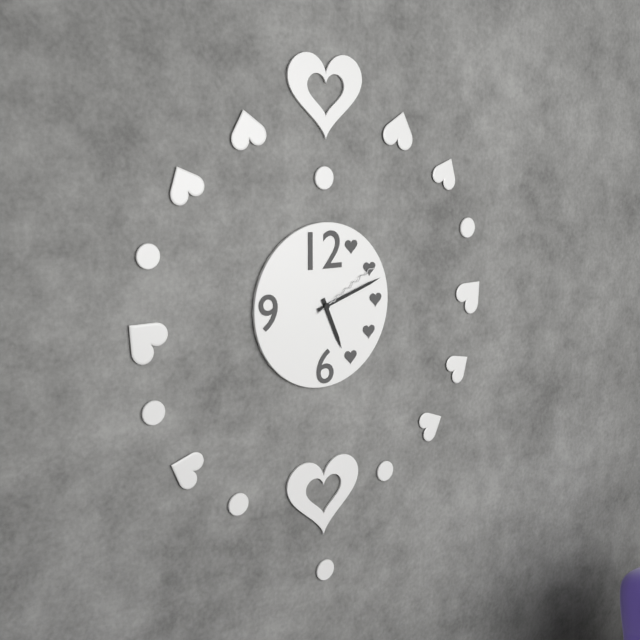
5 h 12 min 10 s
